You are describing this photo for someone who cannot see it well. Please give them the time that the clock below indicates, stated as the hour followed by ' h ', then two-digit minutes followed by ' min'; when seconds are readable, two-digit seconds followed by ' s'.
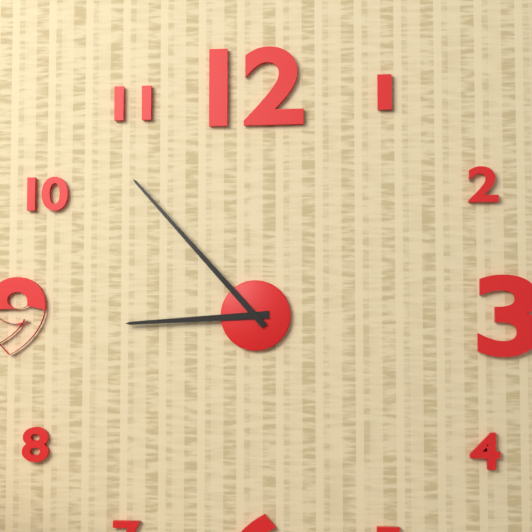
8 h 53 min
